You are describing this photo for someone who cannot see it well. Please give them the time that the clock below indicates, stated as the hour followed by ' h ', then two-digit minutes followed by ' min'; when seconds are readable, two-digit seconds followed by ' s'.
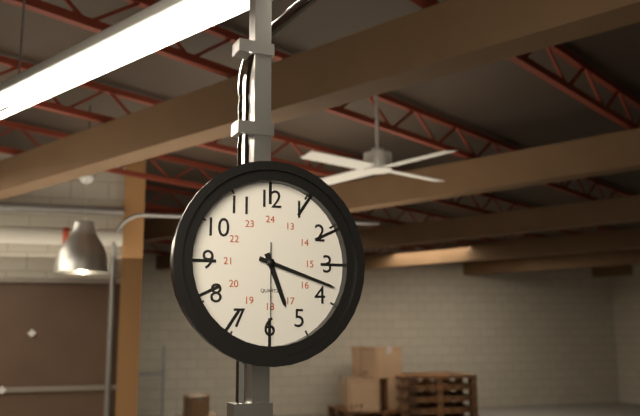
5 h 18 min 30 s
